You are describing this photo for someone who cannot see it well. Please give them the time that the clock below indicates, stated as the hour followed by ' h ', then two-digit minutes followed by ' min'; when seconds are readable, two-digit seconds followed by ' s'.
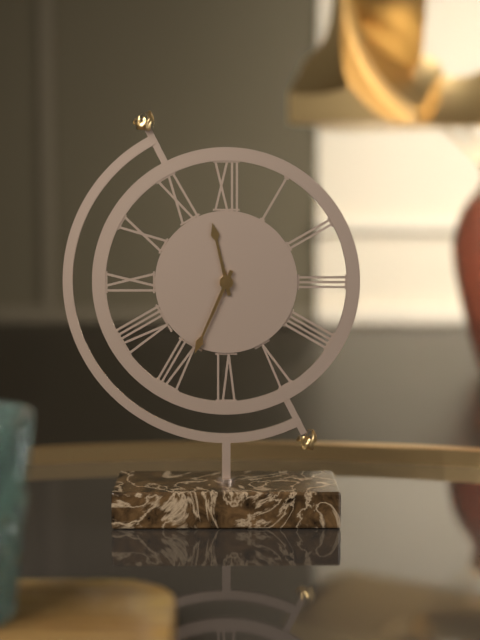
11 h 34 min
